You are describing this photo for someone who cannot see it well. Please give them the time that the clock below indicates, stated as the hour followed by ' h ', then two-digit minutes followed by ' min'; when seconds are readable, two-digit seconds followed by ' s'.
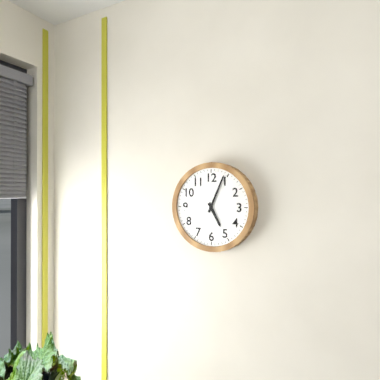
5 h 04 min
